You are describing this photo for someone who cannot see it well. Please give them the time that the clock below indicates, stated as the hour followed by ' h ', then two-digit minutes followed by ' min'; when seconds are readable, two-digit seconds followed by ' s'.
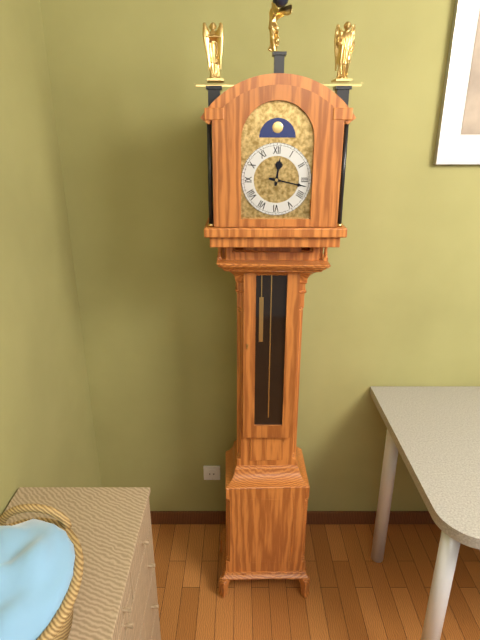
12 h 17 min
